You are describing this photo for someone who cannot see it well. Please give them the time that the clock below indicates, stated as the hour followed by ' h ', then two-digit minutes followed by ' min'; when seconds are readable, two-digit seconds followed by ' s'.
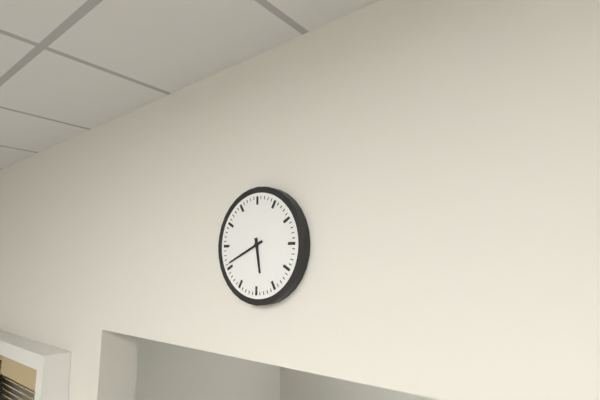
5 h 41 min
